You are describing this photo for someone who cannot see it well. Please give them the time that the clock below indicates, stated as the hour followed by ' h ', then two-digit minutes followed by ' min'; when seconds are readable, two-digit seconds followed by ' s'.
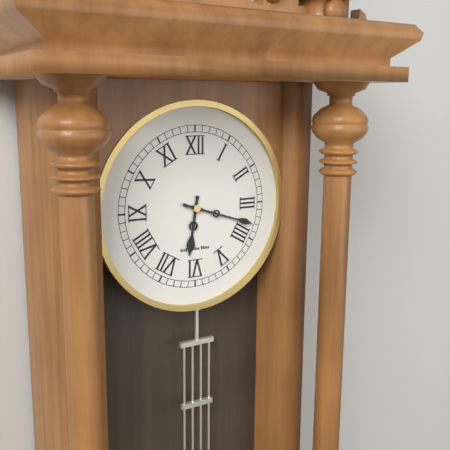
6 h 18 min
